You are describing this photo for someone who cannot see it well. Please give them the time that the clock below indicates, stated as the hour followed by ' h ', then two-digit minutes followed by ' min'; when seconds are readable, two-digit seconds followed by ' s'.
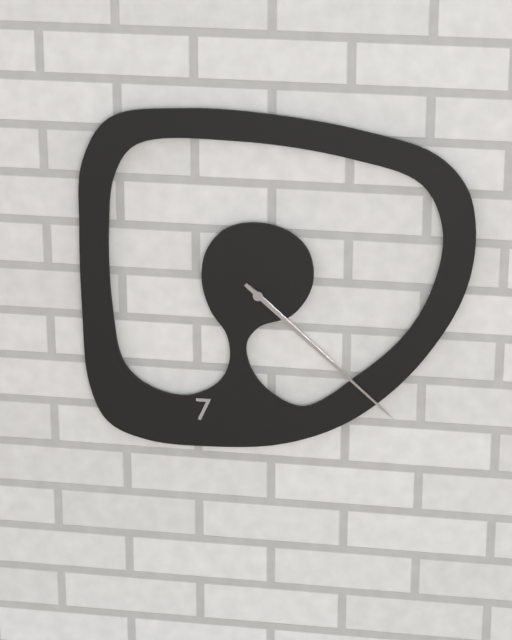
4 h 22 min
